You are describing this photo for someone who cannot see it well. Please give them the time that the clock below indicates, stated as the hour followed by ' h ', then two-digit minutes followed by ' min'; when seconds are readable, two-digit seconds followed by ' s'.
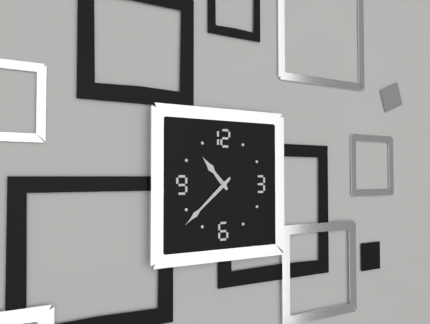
10 h 38 min
